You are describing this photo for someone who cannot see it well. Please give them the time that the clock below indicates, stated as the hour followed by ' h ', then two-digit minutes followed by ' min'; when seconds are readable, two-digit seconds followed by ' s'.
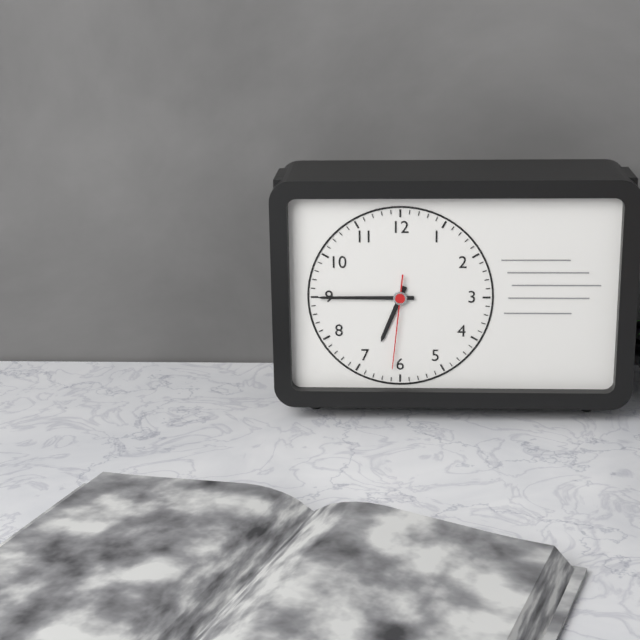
6 h 45 min 31 s
